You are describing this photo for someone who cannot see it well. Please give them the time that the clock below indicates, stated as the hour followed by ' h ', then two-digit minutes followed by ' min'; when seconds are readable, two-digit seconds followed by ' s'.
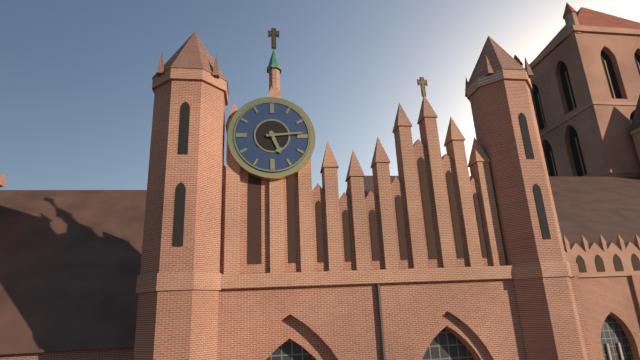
5 h 14 min
